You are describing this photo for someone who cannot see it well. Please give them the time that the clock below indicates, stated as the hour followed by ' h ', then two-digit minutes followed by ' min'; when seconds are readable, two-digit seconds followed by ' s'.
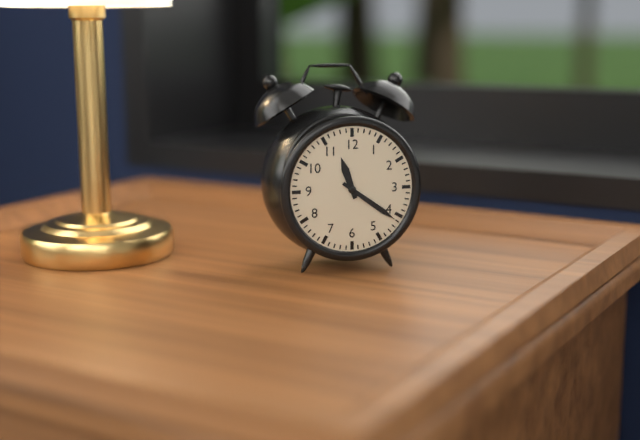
11 h 21 min
